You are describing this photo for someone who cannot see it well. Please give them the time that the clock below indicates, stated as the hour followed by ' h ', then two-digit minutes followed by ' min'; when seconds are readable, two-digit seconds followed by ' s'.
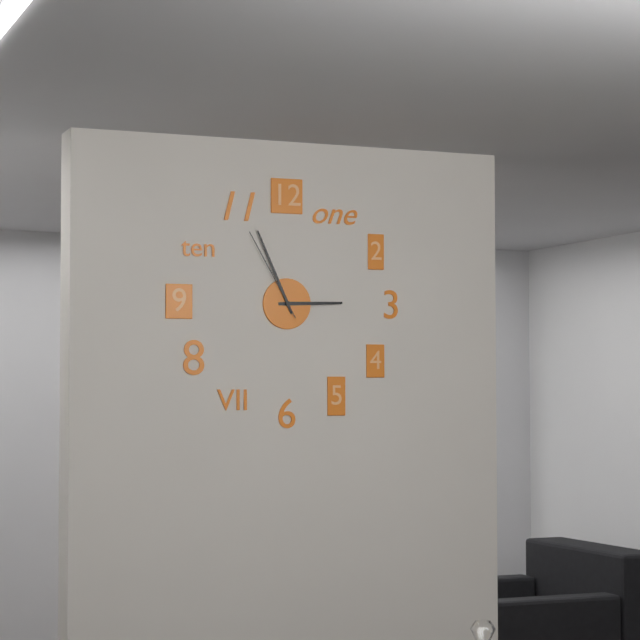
2 h 56 min 55 s
